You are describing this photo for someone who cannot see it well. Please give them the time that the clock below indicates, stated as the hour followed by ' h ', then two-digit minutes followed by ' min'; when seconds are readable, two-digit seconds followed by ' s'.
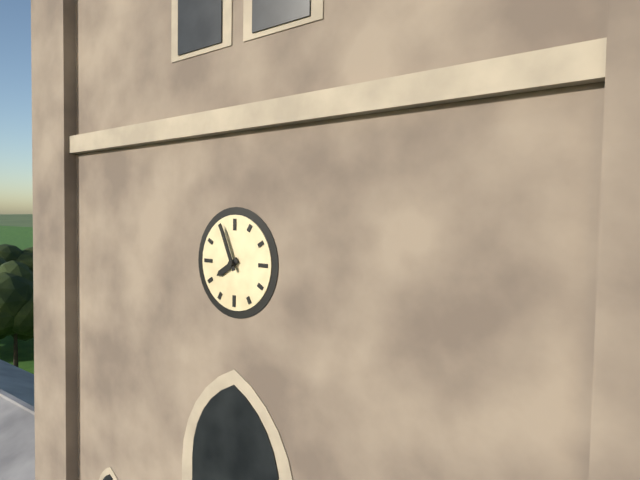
7 h 56 min
